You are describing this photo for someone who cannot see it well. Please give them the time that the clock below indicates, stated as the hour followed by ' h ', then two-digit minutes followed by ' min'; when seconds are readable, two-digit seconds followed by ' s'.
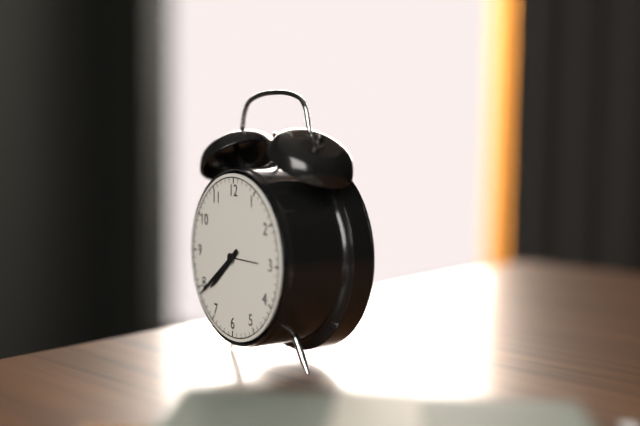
7 h 39 min
